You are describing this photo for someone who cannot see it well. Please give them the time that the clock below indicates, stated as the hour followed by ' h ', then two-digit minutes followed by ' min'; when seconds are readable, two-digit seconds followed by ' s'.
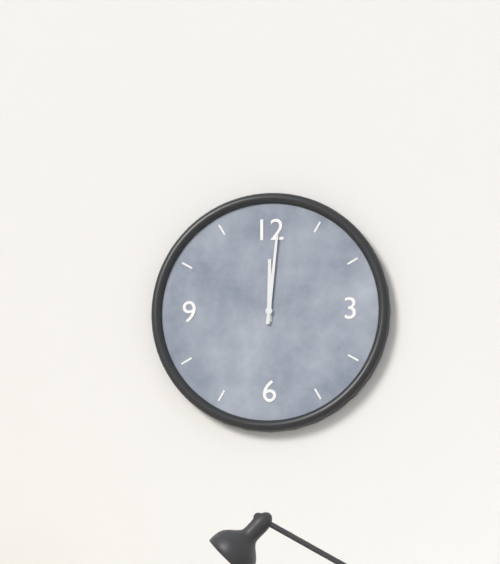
12 h 01 min
